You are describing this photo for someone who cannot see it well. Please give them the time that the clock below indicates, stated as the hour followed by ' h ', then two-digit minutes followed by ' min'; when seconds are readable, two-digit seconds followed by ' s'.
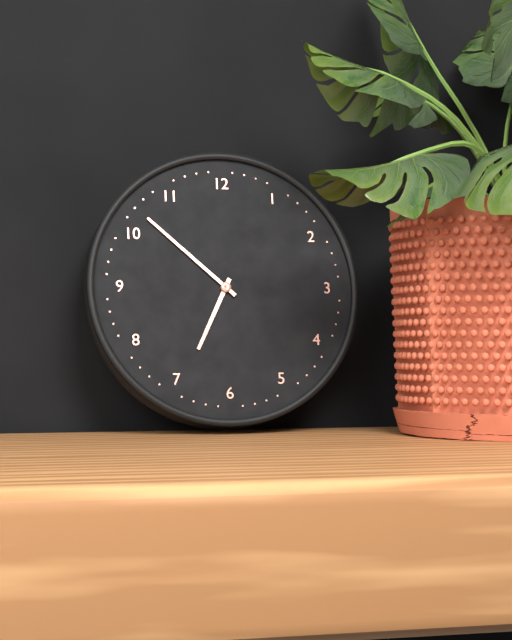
6 h 52 min
